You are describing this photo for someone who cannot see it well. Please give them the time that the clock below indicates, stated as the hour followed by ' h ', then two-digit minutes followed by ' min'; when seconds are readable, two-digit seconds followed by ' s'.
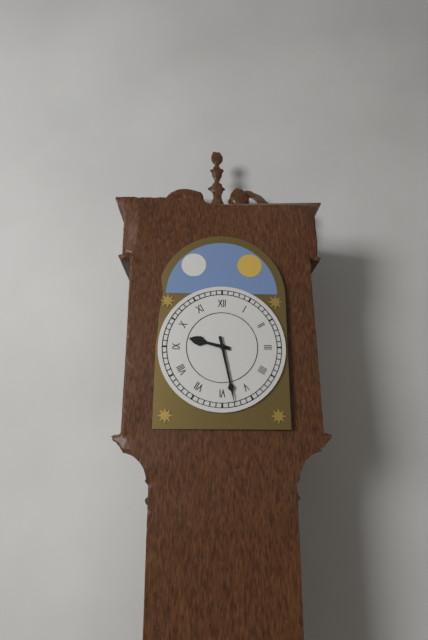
9 h 28 min
